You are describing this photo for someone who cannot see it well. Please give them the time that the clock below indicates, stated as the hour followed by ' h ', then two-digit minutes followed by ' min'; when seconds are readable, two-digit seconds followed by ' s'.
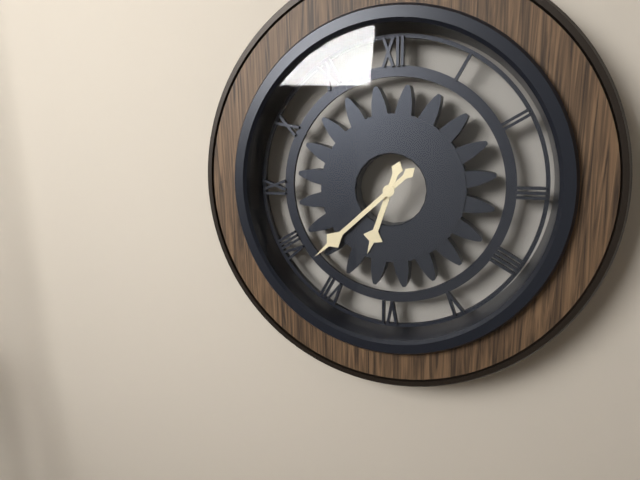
6 h 38 min
